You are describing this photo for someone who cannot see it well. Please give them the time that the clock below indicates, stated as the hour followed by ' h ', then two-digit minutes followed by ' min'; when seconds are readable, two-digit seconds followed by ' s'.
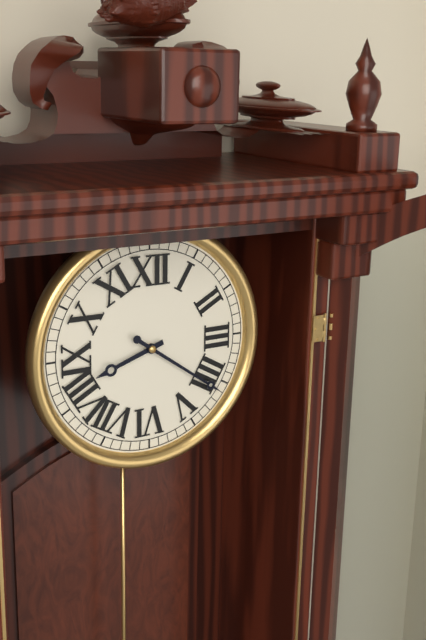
8 h 21 min
